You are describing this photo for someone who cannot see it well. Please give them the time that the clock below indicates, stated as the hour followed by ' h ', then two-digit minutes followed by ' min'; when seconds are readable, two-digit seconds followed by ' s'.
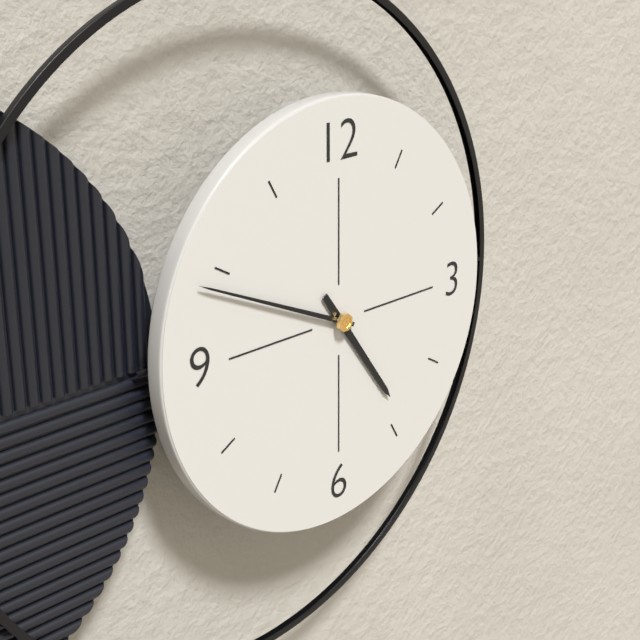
4 h 49 min
